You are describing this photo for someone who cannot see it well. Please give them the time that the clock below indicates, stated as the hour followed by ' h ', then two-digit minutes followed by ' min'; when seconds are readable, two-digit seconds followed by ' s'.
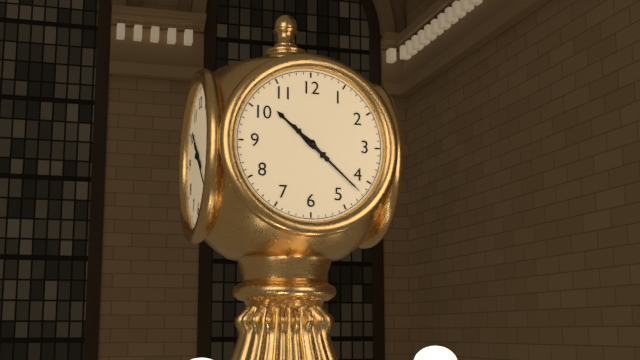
10 h 22 min
